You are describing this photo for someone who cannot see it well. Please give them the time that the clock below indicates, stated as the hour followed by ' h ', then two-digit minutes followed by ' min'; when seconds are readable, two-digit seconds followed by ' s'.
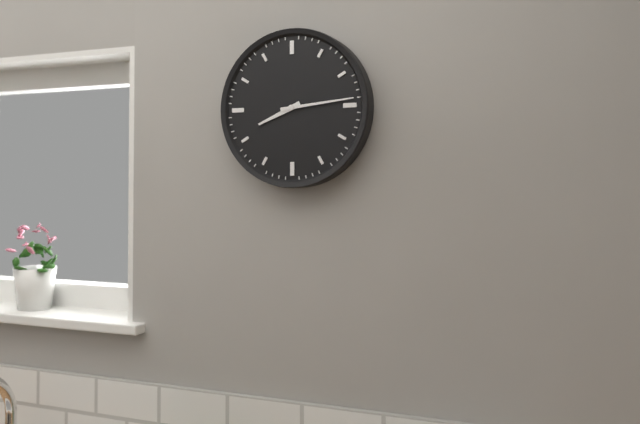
8 h 14 min
